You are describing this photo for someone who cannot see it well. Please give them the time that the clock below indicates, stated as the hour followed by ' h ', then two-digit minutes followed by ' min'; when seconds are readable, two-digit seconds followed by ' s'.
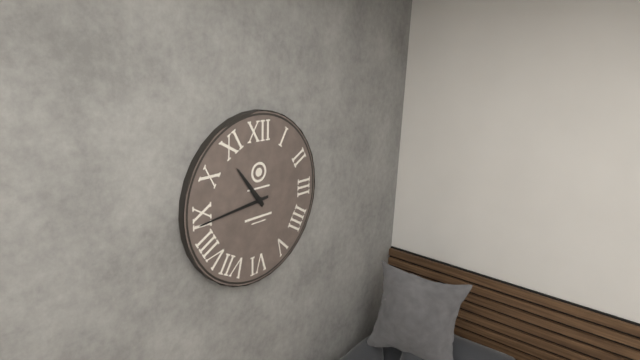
10 h 44 min
